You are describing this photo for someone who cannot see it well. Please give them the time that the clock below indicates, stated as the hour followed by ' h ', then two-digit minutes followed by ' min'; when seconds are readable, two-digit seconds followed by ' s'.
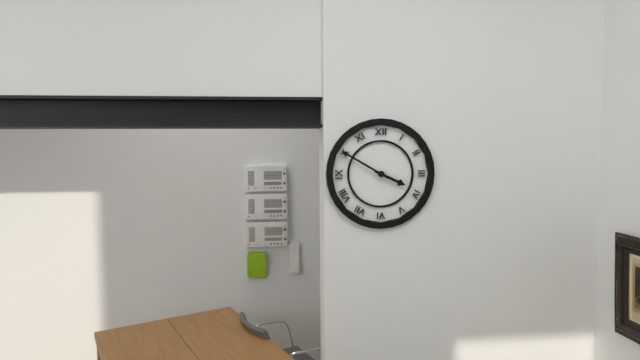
3 h 50 min
